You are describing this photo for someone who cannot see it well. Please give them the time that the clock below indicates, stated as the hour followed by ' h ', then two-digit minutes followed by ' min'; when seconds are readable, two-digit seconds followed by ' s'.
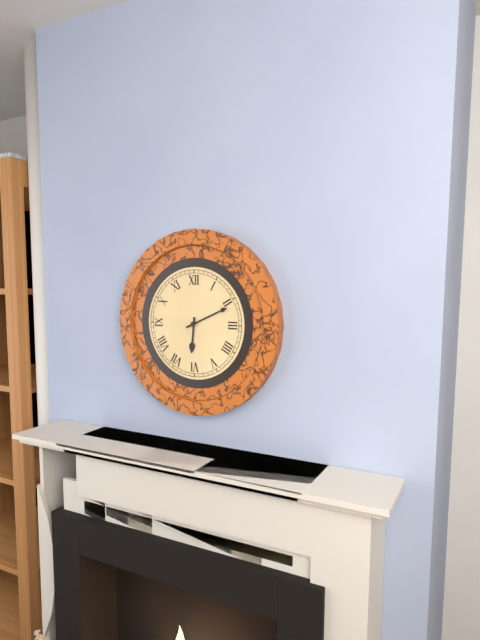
6 h 11 min
